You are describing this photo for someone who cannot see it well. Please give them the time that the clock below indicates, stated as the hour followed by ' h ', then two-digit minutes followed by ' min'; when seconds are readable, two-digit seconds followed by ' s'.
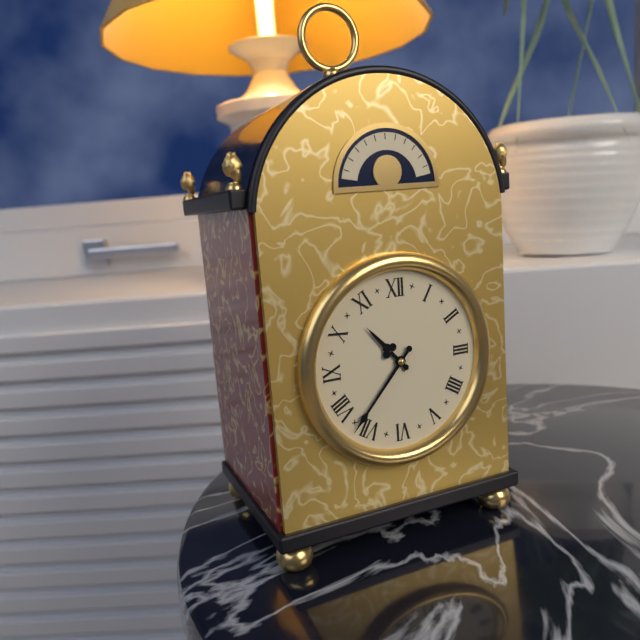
10 h 37 min
